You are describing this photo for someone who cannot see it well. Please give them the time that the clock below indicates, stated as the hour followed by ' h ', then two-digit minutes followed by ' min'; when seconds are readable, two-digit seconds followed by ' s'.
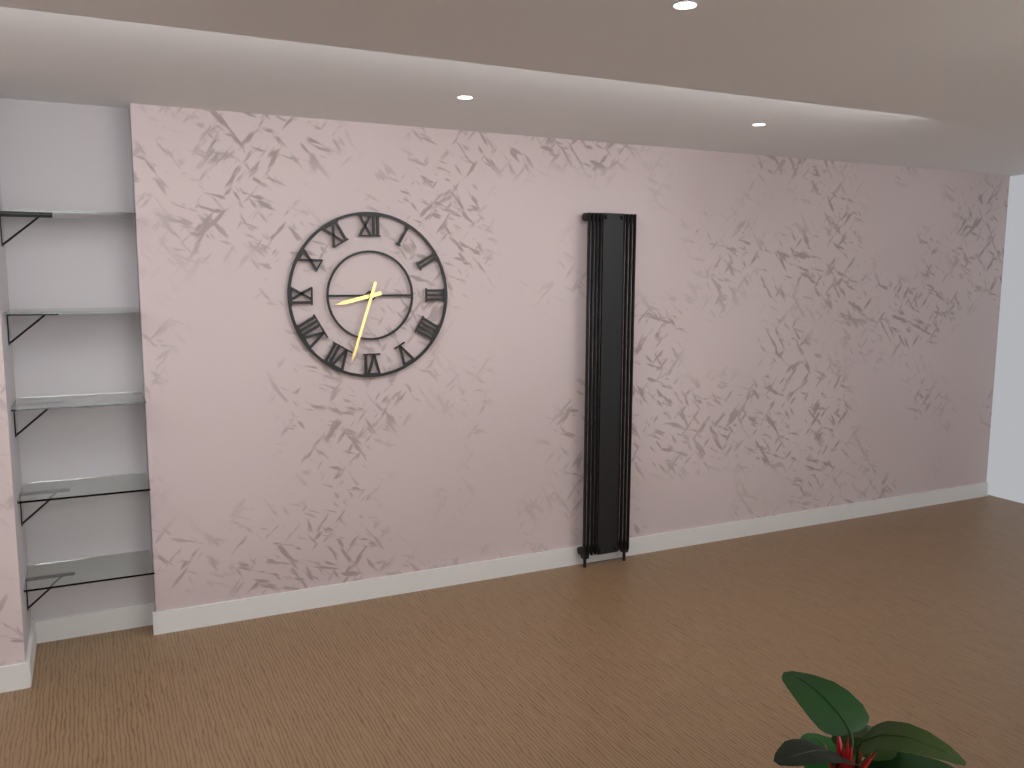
8 h 33 min
